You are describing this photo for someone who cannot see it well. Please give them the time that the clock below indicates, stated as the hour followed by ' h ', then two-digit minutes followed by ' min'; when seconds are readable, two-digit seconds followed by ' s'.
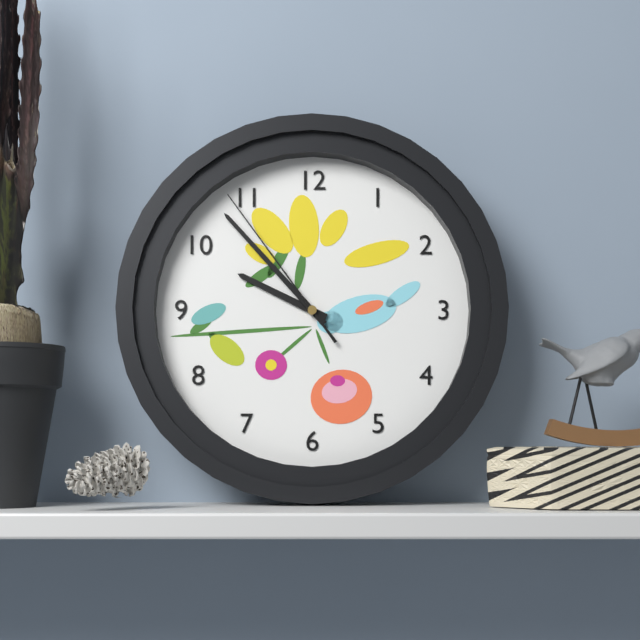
9 h 53 min 54 s
